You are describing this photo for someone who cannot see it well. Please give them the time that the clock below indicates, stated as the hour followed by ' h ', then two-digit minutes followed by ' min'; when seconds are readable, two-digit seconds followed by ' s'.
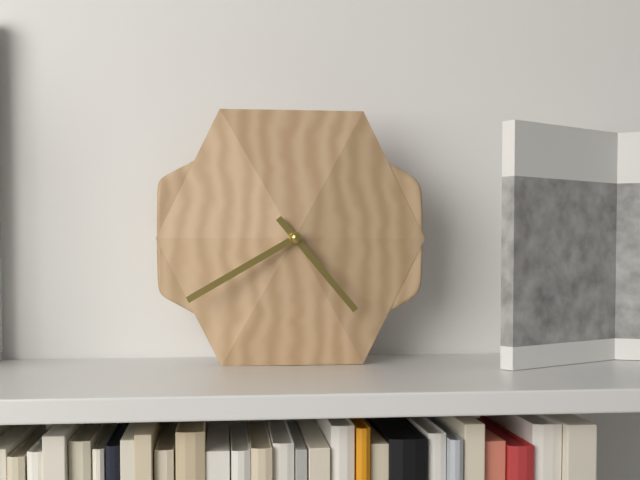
4 h 40 min
